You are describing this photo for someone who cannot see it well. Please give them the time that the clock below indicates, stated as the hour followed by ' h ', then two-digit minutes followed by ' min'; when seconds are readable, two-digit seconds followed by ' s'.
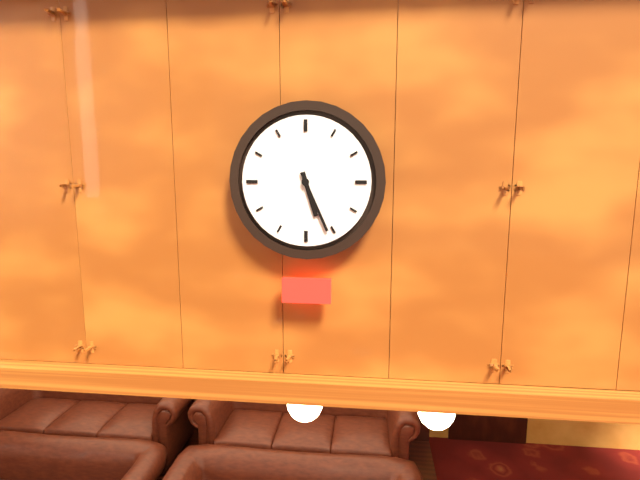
5 h 26 min
